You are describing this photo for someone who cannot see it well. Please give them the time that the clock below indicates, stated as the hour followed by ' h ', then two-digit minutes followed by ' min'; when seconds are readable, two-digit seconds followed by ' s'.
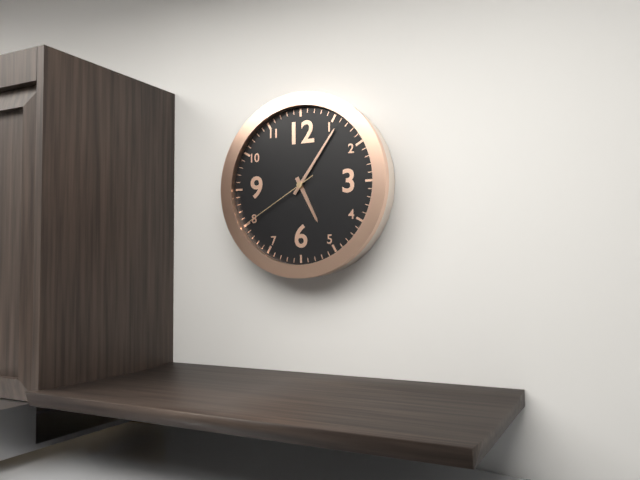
5 h 06 min 40 s
